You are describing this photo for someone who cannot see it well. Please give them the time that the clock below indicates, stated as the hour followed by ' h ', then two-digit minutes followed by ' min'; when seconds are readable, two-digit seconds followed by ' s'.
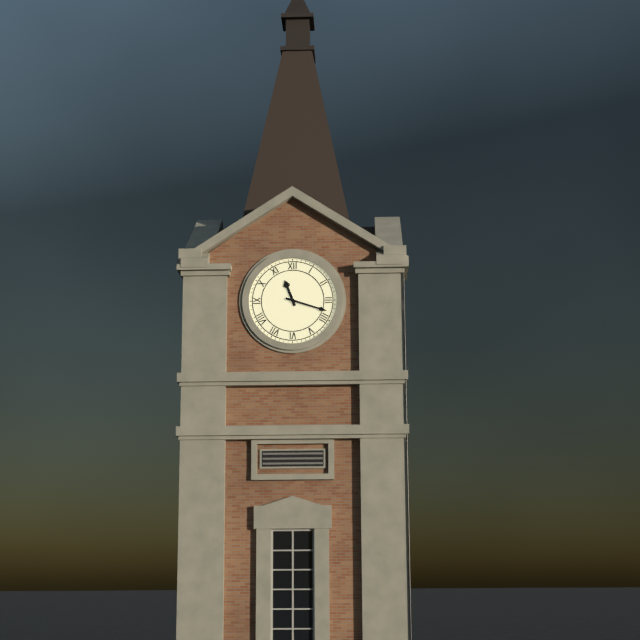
11 h 18 min
